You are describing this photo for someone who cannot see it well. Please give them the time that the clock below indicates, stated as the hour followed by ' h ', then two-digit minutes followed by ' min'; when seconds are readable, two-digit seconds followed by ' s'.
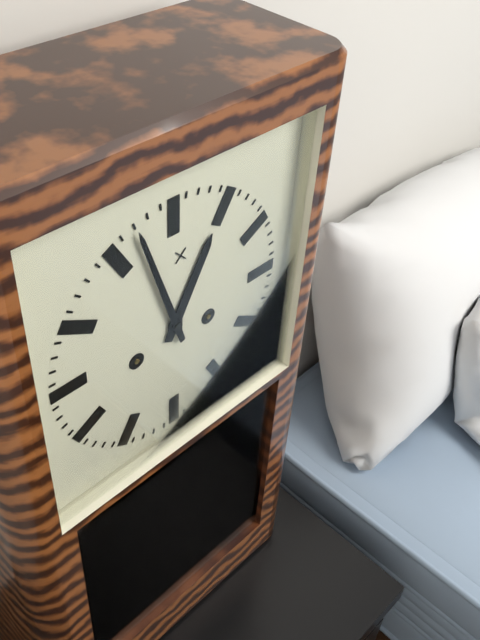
12 h 57 min
